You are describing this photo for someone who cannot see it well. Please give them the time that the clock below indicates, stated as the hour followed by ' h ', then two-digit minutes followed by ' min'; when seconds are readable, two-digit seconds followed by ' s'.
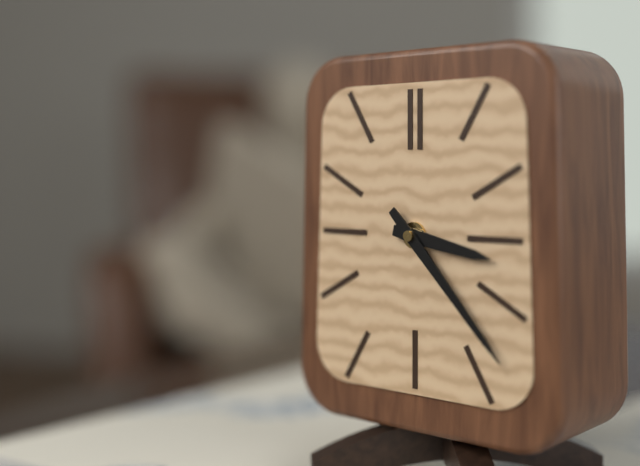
3 h 23 min
